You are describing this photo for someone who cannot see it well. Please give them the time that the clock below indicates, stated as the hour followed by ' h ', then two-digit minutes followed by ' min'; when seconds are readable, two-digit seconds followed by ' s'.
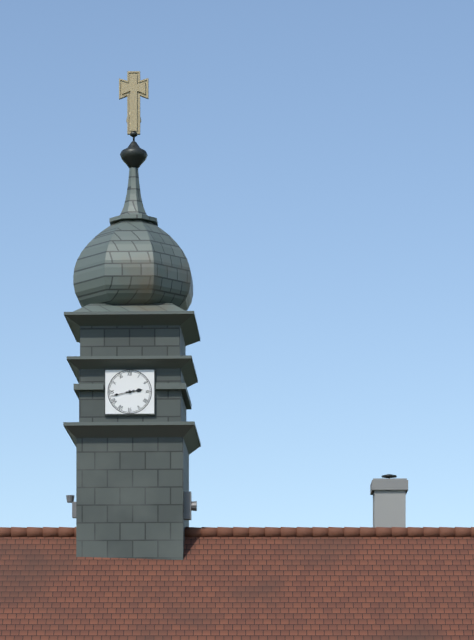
2 h 43 min
